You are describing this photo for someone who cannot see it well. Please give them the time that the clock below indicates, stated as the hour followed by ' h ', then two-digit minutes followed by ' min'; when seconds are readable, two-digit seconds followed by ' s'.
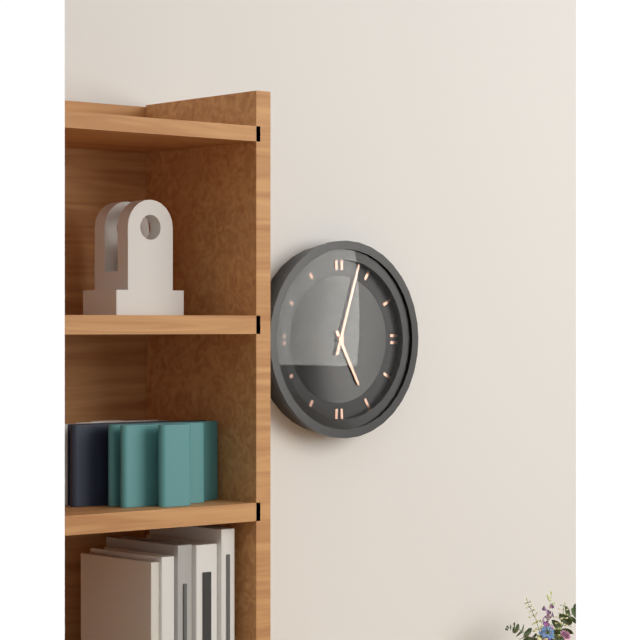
5 h 03 min
